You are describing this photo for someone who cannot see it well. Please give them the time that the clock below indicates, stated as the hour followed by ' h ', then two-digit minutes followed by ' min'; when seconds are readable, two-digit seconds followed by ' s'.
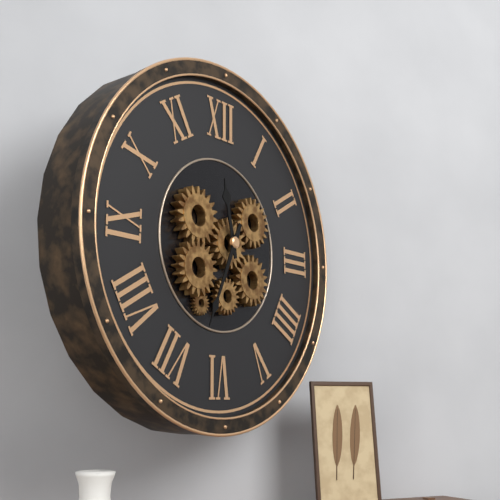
11 h 34 min
